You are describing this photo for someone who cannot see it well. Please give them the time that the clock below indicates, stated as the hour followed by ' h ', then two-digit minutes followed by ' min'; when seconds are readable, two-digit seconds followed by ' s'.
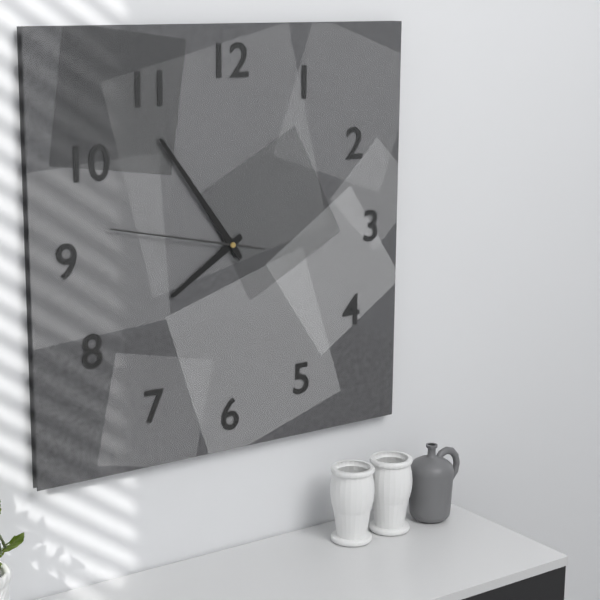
7 h 54 min 47 s
